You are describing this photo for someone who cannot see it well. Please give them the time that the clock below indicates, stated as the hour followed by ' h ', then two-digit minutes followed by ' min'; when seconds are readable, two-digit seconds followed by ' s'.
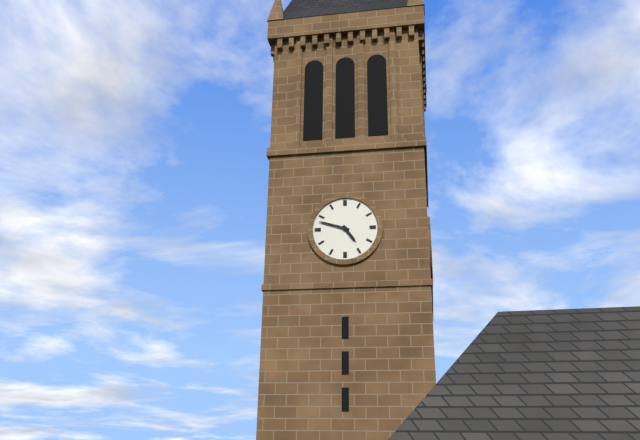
4 h 48 min
